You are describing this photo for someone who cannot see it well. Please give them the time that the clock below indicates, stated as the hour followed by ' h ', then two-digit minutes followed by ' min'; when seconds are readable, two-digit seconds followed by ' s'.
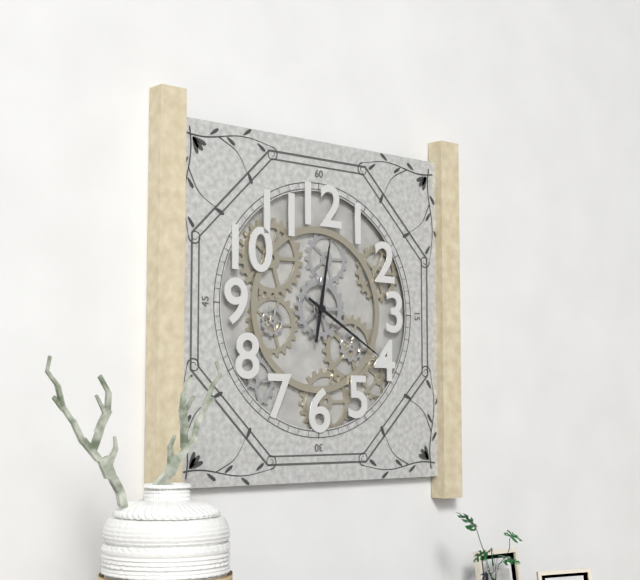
12 h 20 min
